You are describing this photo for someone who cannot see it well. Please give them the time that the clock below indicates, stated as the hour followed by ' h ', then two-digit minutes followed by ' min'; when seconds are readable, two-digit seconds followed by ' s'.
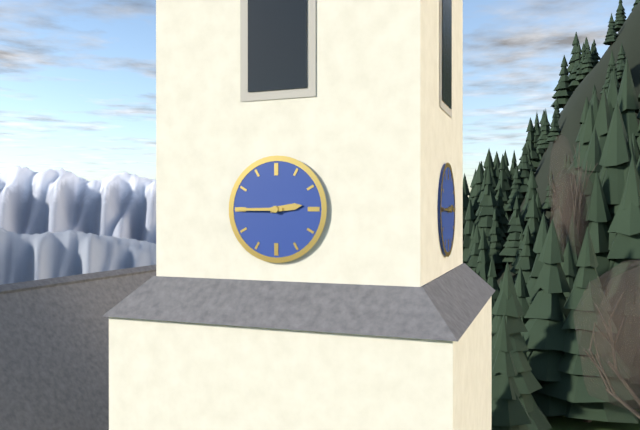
2 h 45 min
